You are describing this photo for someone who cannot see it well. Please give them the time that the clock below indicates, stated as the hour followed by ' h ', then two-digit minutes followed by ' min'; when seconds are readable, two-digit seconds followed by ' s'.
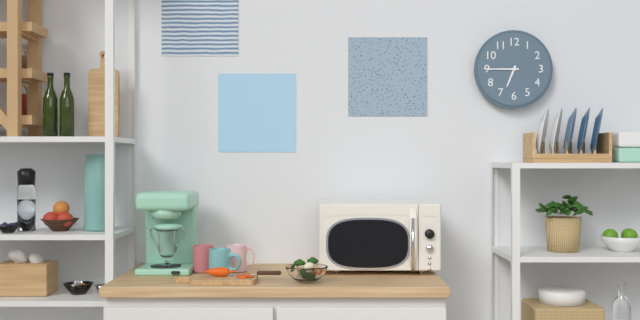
6 h 45 min
